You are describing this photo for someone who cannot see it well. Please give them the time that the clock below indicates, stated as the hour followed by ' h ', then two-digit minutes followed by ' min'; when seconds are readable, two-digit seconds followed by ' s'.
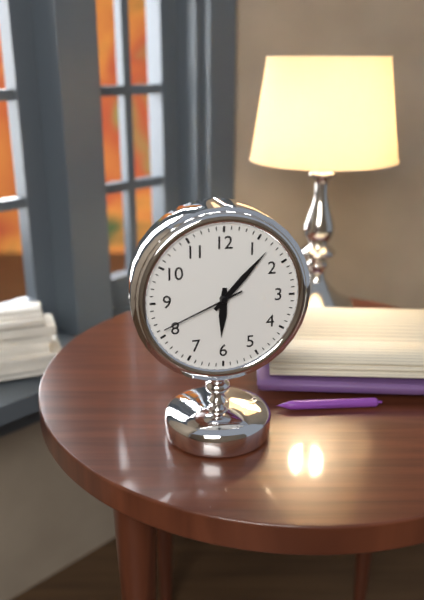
6 h 07 min 41 s
